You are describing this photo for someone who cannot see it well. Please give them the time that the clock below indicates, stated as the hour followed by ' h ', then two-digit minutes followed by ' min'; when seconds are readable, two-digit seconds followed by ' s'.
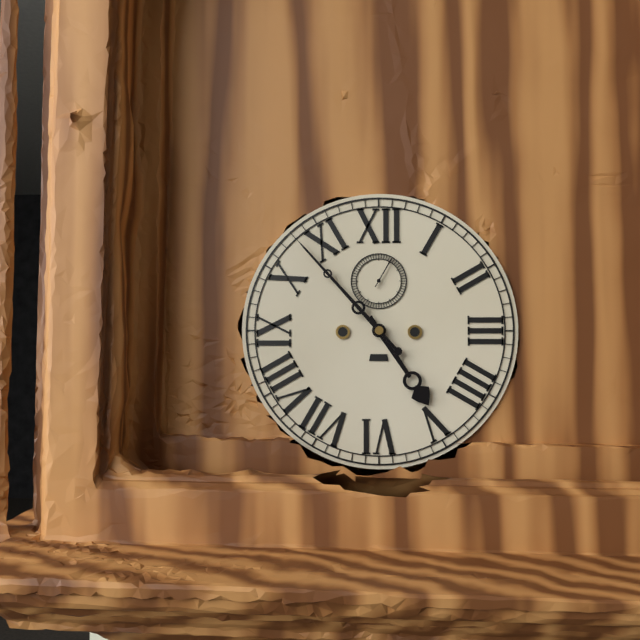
4 h 53 min
